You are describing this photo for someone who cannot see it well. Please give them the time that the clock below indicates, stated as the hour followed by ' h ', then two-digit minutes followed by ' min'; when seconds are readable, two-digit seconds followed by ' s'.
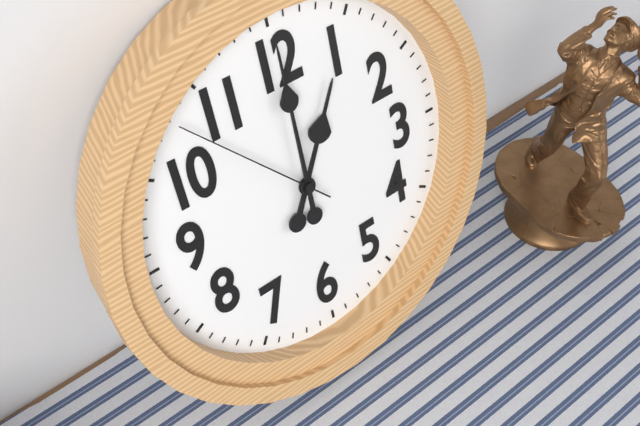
1 h 00 min 53 s
